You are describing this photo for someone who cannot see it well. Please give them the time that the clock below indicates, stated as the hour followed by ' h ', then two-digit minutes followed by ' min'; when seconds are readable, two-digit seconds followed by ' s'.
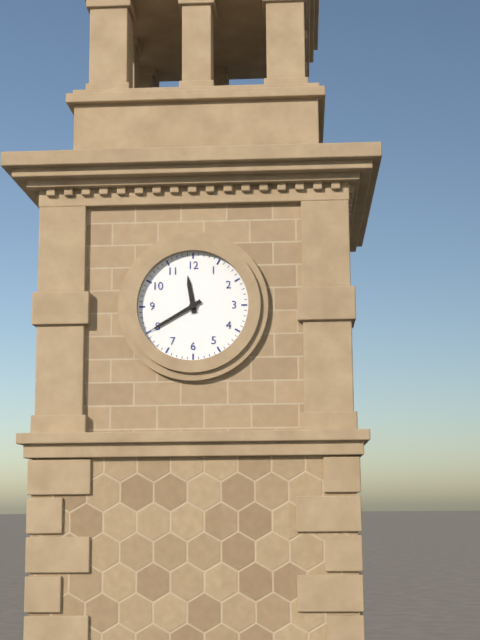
11 h 40 min
